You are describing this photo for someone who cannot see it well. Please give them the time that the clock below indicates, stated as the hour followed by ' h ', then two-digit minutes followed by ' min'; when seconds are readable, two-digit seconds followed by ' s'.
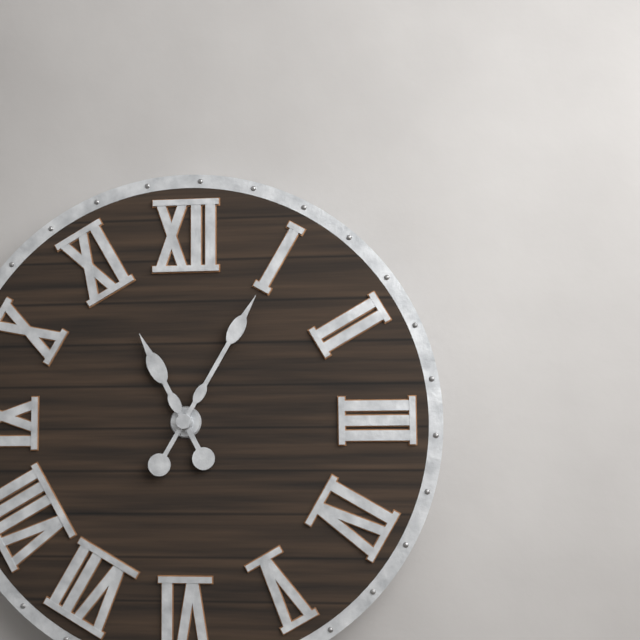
11 h 05 min
